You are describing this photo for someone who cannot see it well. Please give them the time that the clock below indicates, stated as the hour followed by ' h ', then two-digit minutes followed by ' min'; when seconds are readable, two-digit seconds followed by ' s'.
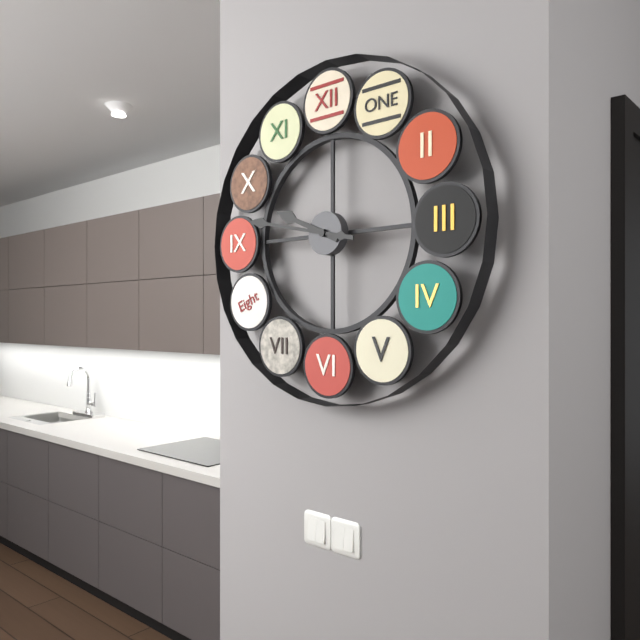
9 h 47 min
